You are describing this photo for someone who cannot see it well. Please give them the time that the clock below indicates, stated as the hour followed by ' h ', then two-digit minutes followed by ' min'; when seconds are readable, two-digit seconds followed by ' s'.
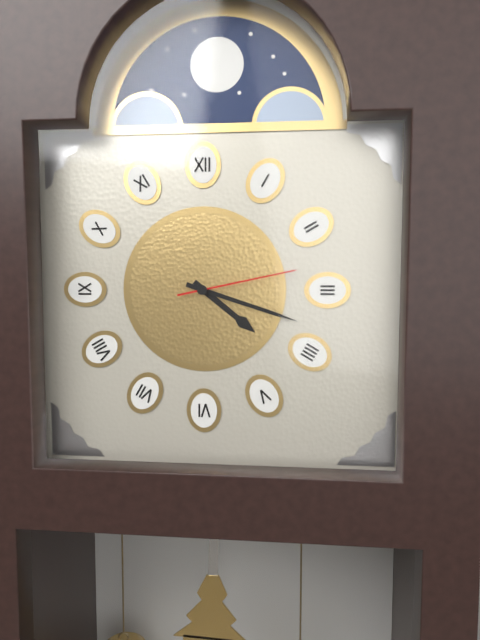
4 h 18 min 13 s
